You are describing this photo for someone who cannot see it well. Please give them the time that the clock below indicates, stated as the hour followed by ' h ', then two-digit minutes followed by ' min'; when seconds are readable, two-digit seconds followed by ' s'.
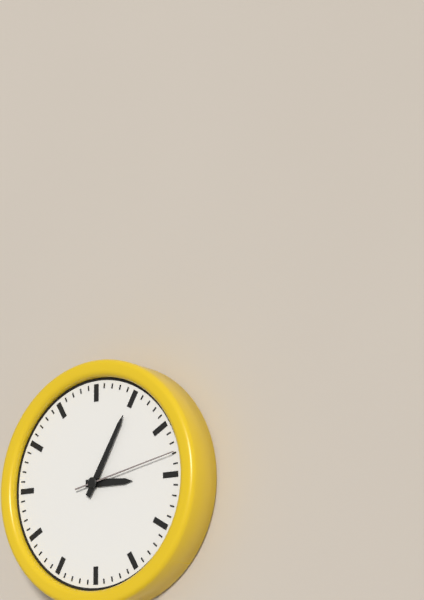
3 h 05 min 13 s
